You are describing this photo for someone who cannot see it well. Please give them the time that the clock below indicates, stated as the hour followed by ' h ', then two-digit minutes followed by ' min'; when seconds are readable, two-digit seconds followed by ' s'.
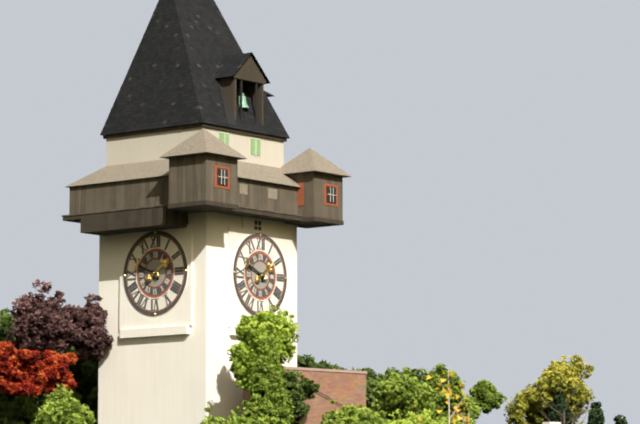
1 h 49 min
